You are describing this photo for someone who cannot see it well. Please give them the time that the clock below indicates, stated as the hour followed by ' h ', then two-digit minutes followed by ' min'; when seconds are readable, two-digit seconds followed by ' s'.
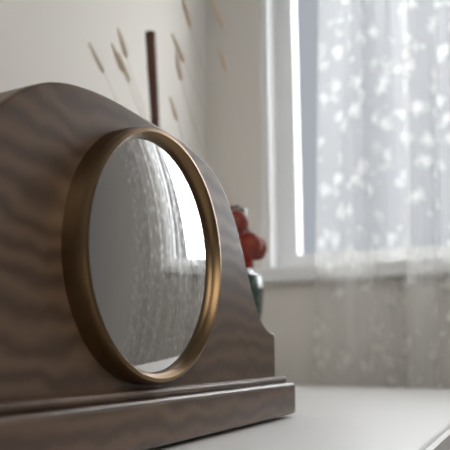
1 h 46 min
